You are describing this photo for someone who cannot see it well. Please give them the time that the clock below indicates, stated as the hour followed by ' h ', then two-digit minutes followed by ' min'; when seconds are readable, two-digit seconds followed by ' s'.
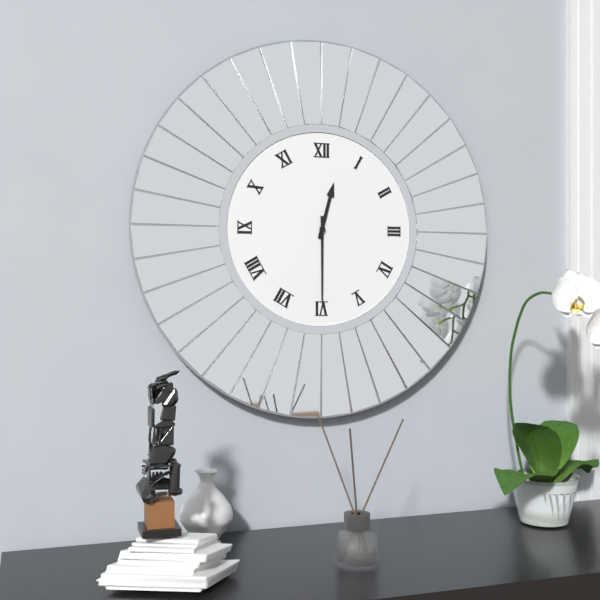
12 h 30 min
